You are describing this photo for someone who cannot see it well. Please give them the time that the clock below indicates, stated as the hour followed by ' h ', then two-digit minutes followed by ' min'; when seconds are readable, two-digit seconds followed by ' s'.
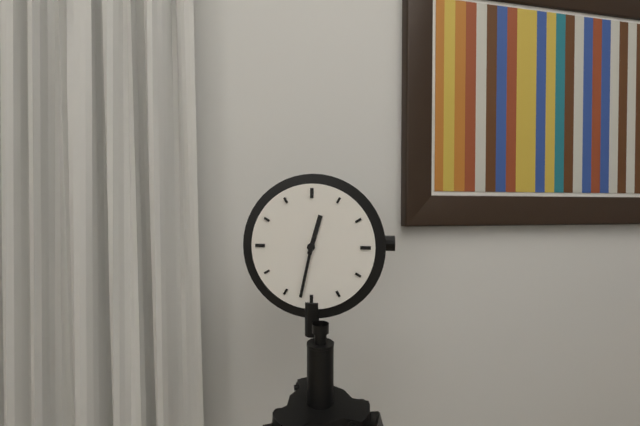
12 h 32 min
